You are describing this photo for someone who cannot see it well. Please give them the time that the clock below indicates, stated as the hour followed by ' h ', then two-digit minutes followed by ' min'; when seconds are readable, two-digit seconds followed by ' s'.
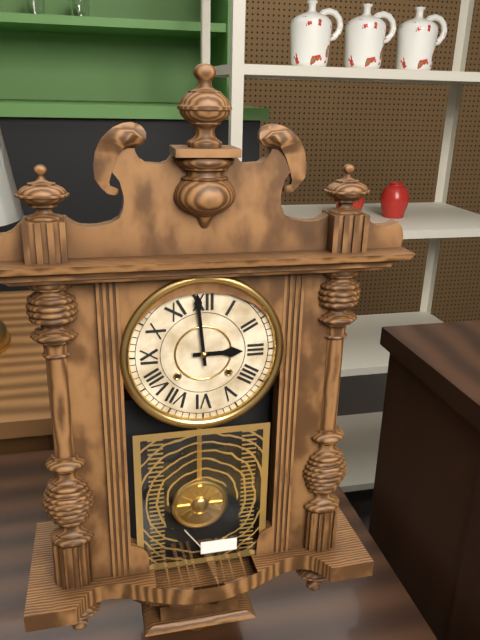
2 h 59 min
